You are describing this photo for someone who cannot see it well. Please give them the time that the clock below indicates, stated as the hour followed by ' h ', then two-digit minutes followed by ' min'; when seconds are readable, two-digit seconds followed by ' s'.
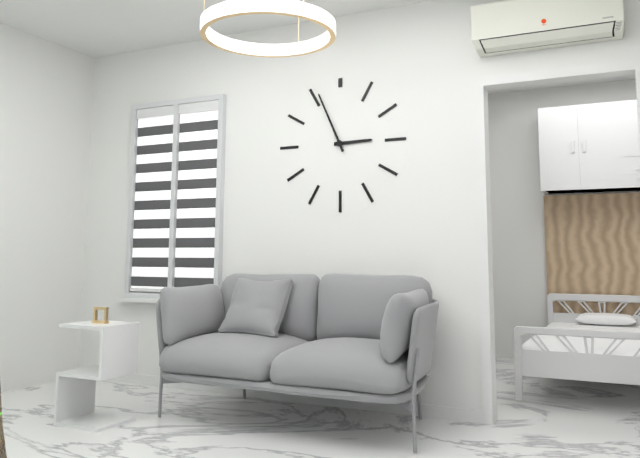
2 h 56 min
